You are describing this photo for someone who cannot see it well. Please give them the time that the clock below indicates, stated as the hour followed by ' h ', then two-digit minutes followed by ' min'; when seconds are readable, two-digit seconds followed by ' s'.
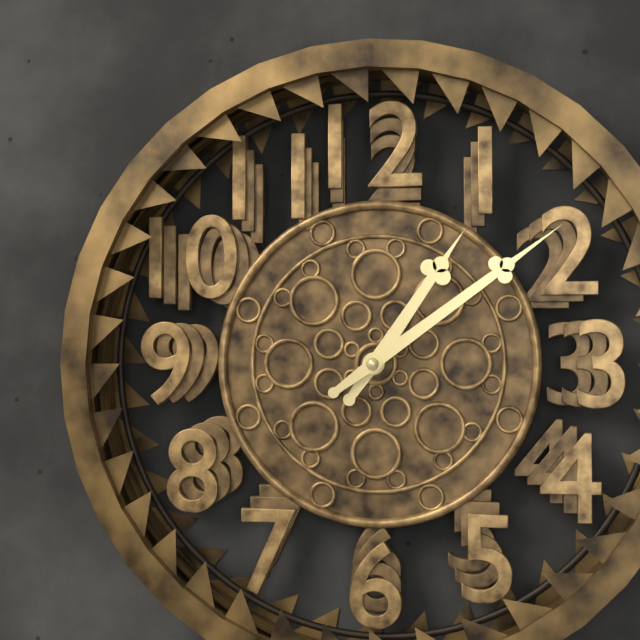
1 h 09 min
